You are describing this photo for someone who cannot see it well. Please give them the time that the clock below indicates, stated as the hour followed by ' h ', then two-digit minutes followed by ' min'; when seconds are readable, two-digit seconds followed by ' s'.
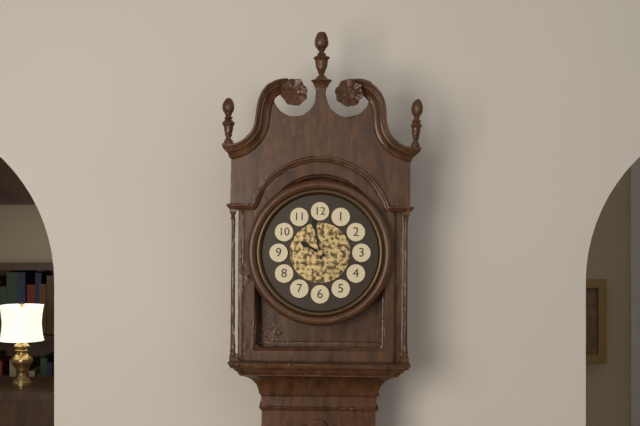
9 h 58 min
